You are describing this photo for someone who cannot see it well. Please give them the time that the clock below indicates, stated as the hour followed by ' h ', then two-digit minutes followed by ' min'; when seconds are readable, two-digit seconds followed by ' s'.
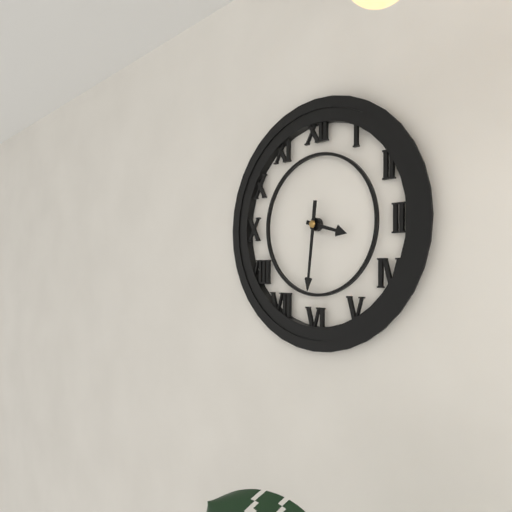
3 h 31 min
